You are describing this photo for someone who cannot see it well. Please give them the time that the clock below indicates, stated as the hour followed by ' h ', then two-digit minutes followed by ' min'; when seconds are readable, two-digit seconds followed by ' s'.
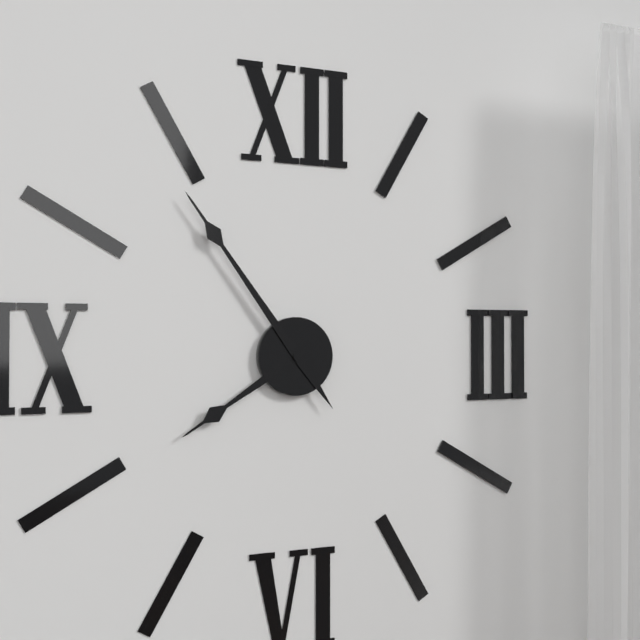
7 h 54 min
